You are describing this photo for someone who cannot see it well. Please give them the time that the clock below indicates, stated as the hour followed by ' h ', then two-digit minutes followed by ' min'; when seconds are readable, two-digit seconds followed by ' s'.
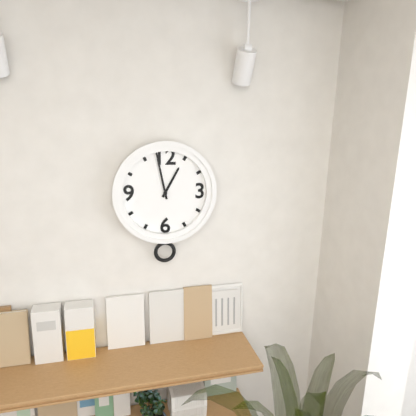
12 h 58 min
